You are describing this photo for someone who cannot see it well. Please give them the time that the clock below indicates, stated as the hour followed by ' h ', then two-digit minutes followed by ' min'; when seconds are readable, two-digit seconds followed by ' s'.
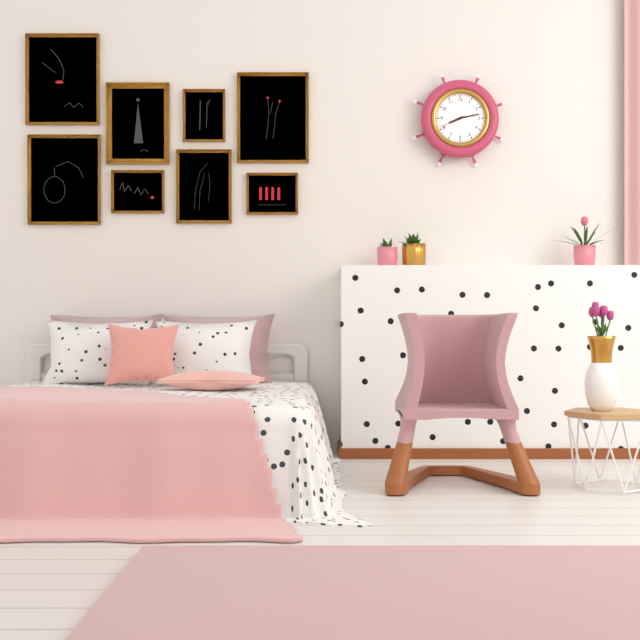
8 h 13 min
